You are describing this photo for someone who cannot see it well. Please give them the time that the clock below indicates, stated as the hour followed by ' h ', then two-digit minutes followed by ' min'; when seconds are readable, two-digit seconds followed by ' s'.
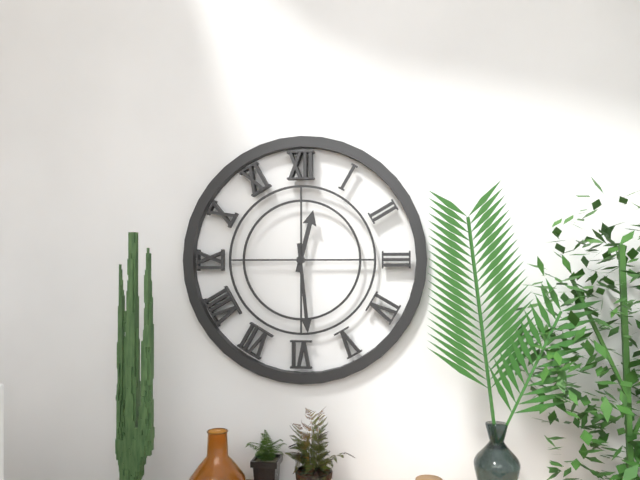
12 h 29 min
